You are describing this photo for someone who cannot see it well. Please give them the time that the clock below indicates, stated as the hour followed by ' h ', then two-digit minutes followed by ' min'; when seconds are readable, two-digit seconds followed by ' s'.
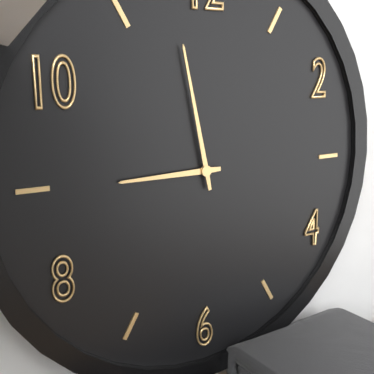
8 h 58 min
